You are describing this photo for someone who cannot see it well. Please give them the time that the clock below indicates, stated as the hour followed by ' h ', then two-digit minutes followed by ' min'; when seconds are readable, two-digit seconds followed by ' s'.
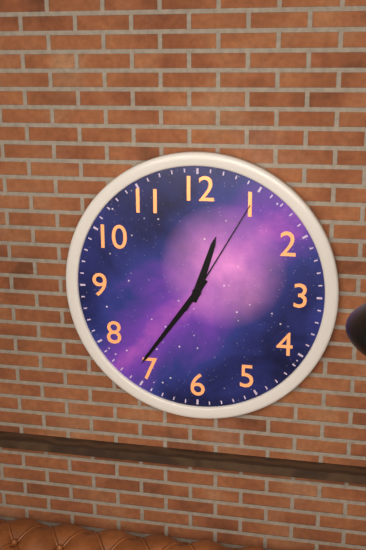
12 h 36 min 05 s
